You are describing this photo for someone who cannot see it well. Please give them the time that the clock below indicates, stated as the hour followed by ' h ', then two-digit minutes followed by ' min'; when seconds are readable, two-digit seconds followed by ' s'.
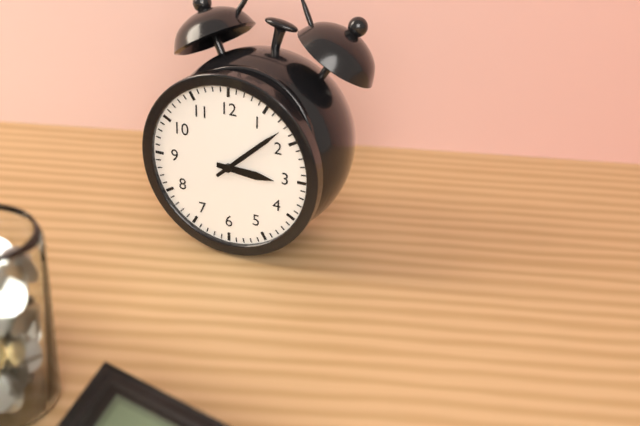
3 h 08 min
